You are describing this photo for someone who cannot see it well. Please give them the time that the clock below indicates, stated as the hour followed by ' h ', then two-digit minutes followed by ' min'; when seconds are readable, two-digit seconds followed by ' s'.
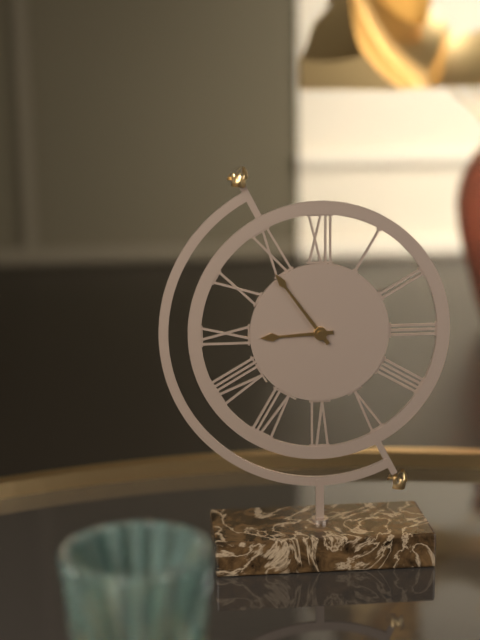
8 h 54 min
